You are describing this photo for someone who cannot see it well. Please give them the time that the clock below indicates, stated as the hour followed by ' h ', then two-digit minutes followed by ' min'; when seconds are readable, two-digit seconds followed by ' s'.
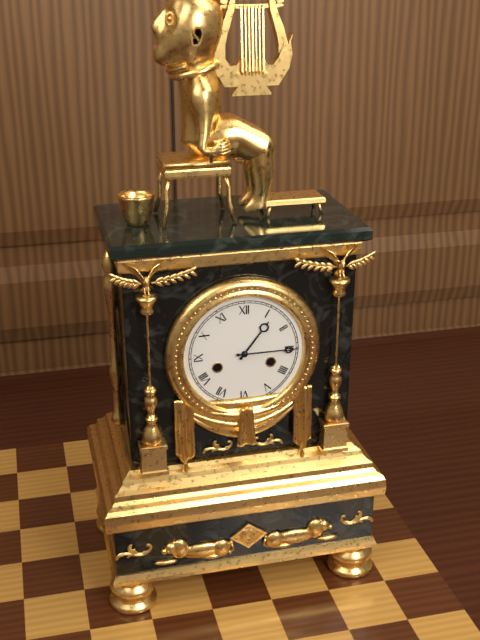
1 h 15 min
